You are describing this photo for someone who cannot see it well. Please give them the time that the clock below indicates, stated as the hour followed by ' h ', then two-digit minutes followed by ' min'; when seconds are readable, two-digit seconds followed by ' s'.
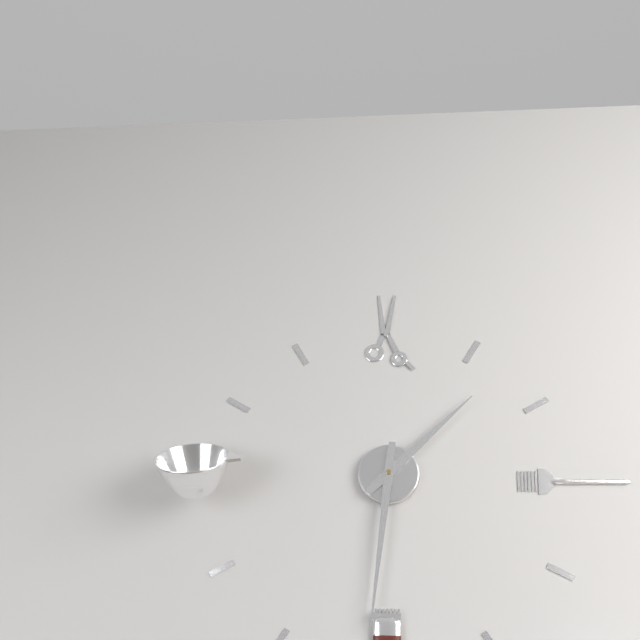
1 h 31 min
